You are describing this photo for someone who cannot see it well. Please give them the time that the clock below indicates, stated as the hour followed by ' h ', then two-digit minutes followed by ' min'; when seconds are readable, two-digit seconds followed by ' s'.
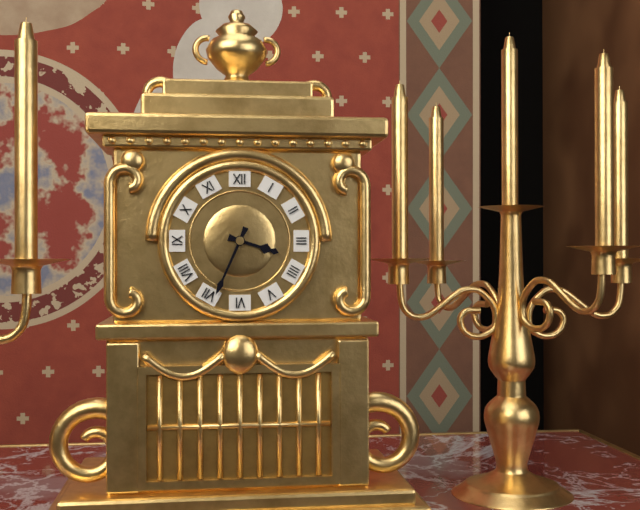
3 h 34 min
